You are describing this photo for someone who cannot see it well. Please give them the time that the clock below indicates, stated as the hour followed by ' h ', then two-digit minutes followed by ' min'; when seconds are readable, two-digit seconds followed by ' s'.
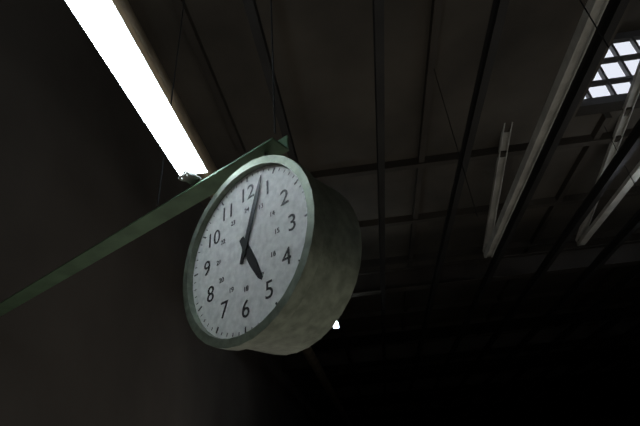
5 h 03 min
